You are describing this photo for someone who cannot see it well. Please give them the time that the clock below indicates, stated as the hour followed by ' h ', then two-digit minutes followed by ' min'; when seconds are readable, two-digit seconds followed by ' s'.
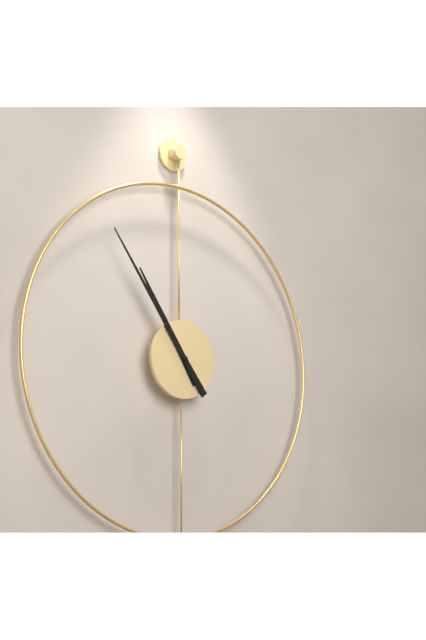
10 h 54 min
